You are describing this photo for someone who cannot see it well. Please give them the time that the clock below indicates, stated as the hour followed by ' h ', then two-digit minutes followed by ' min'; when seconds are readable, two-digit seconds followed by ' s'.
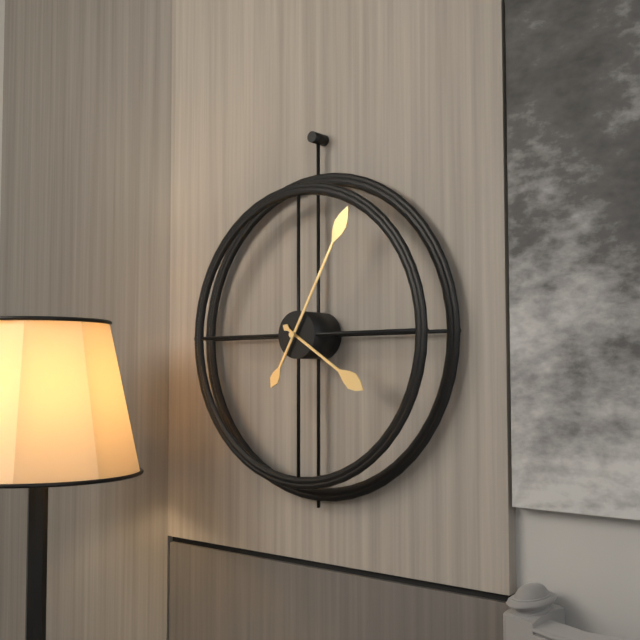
4 h 05 min
